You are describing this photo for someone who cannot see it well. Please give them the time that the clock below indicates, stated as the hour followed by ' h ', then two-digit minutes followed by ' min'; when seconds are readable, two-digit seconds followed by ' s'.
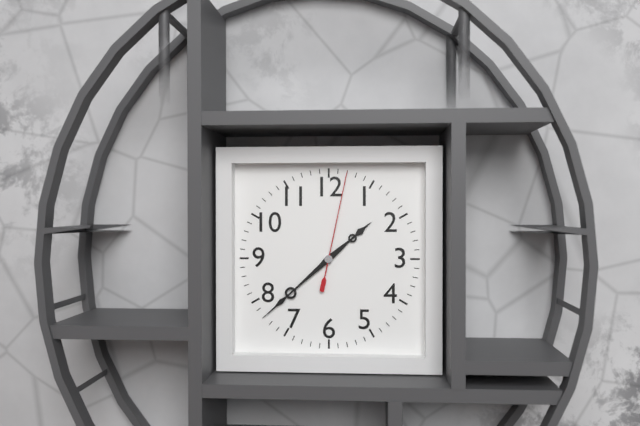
1 h 38 min 02 s
